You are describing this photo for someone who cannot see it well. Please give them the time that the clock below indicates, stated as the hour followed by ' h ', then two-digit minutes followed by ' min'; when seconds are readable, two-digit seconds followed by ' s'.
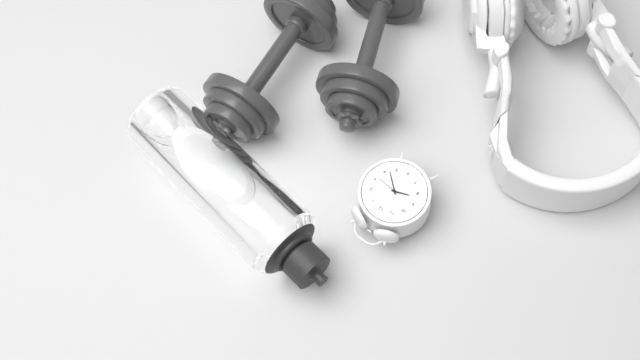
8 h 22 min
